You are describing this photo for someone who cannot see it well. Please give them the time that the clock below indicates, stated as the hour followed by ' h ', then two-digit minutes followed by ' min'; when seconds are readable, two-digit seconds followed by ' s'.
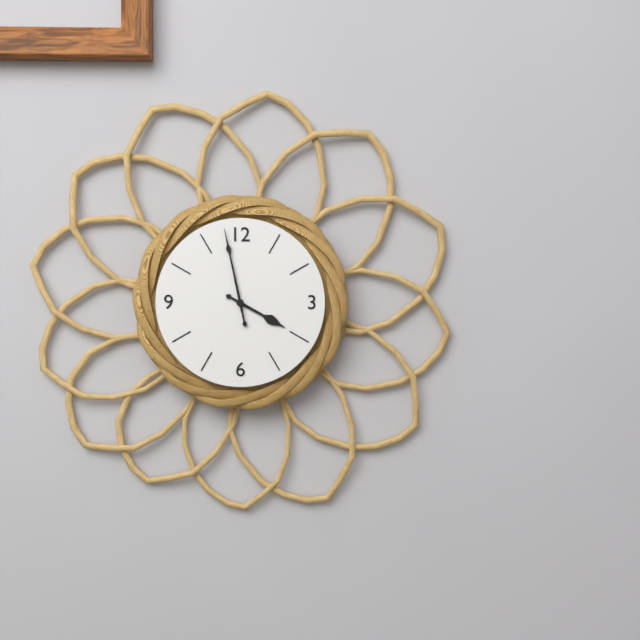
3 h 58 min
